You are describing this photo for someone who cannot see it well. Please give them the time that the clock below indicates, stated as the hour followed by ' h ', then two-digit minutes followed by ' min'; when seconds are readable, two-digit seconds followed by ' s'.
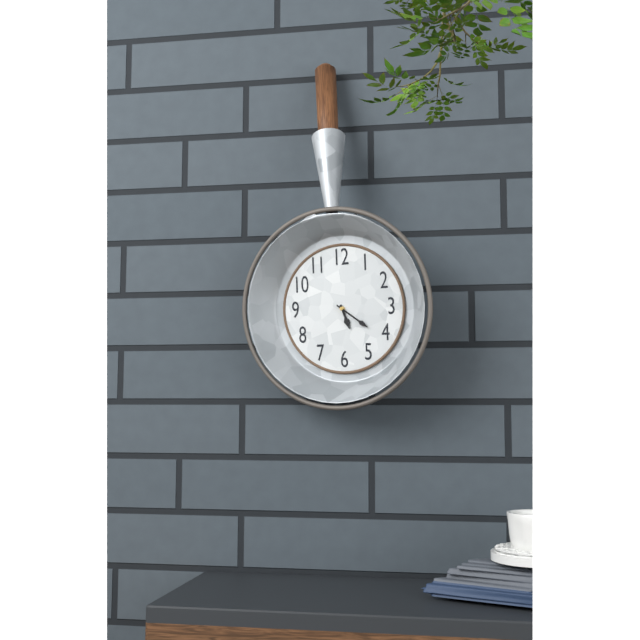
5 h 21 min
